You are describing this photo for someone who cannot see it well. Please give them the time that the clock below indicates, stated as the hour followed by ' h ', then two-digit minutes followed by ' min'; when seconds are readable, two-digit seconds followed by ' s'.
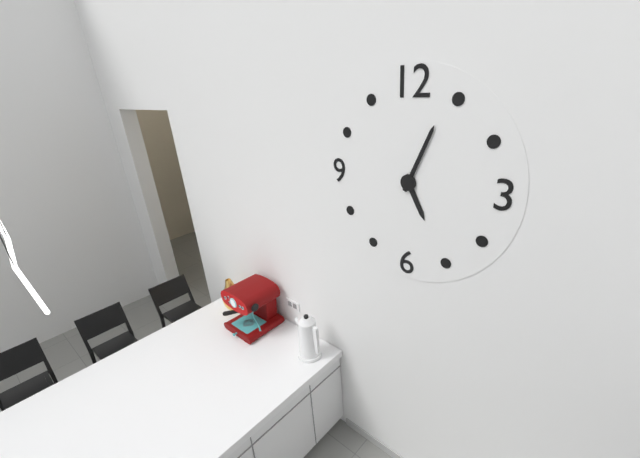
5 h 04 min
